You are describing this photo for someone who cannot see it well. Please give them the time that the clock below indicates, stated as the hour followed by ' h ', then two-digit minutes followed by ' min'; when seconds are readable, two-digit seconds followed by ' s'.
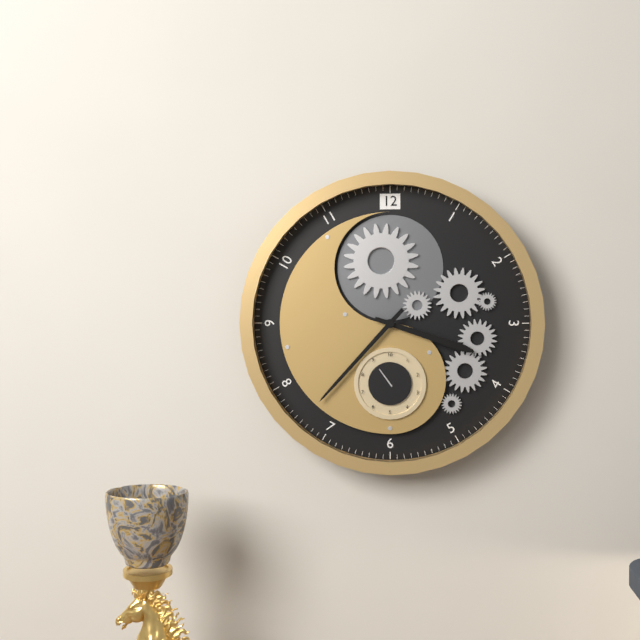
3 h 37 min
